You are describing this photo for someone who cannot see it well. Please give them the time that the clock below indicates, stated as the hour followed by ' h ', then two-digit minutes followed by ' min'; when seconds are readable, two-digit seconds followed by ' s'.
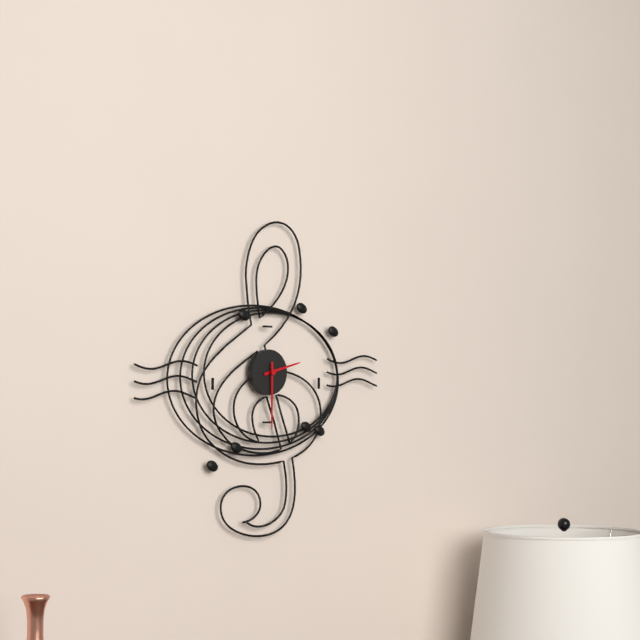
2 h 30 min
